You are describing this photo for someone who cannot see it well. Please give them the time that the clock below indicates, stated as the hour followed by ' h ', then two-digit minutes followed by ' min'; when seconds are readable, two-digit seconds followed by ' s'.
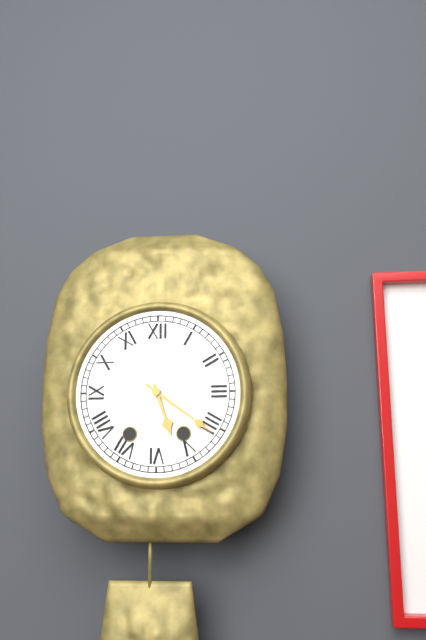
5 h 21 min
